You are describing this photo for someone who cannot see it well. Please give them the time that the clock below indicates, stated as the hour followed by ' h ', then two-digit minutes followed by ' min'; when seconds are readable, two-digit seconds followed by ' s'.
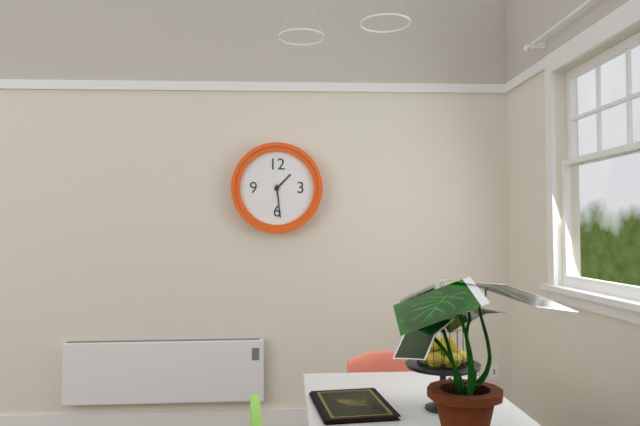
1 h 29 min
